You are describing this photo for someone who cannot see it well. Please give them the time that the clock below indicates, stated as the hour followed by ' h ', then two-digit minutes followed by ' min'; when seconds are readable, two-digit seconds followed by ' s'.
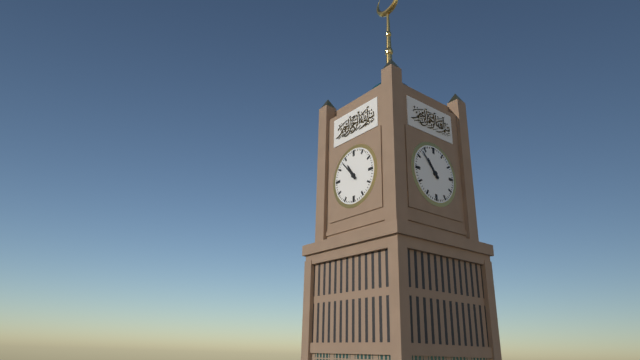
10 h 53 min
